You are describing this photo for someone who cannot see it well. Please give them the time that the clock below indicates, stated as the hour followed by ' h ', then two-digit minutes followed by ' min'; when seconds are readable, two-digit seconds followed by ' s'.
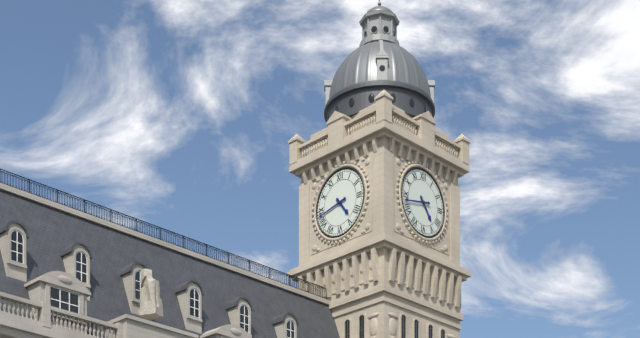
4 h 43 min
